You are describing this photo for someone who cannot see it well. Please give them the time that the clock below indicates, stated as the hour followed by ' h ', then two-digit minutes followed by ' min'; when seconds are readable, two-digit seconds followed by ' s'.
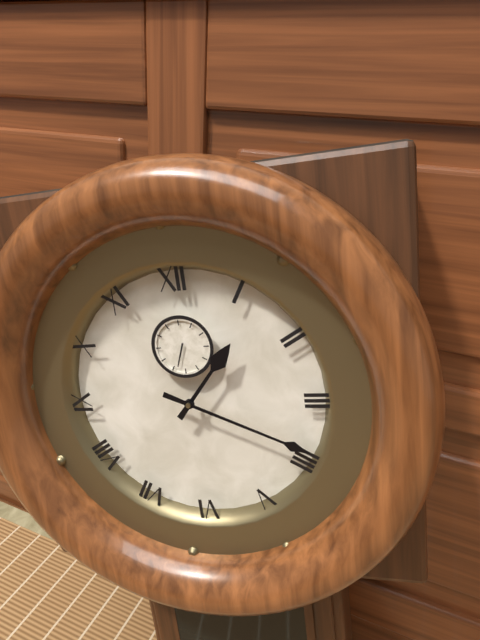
1 h 19 min
